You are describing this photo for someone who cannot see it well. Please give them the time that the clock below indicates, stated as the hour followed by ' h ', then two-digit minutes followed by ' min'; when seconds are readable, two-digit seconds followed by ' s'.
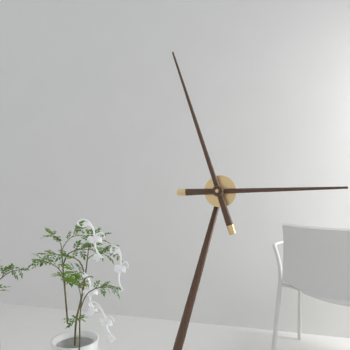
2 h 57 min
